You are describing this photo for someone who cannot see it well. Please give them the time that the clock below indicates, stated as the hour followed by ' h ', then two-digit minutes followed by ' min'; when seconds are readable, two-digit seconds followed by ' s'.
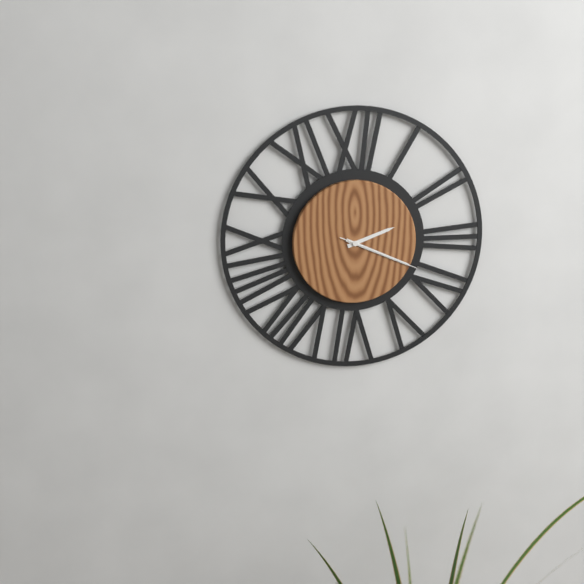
2 h 19 min 19 s
